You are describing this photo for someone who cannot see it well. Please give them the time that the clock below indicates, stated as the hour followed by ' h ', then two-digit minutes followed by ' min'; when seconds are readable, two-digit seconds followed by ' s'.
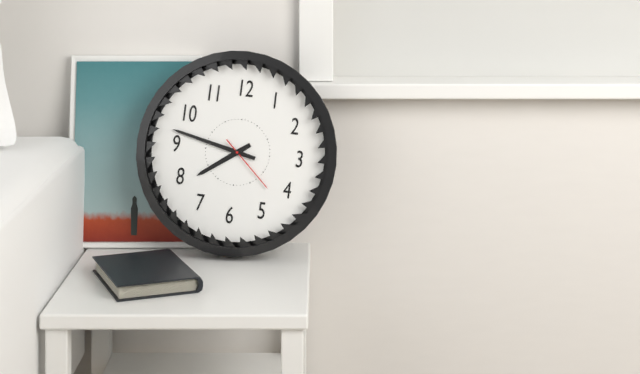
7 h 47 min 22 s
